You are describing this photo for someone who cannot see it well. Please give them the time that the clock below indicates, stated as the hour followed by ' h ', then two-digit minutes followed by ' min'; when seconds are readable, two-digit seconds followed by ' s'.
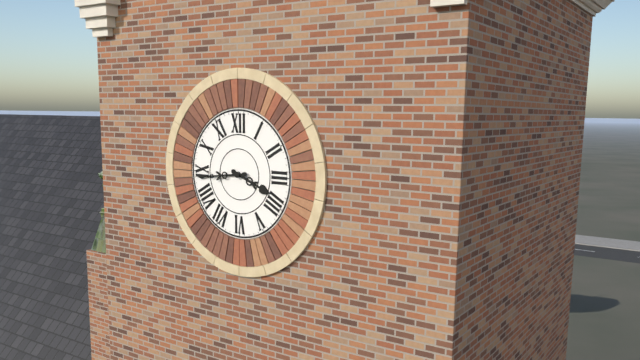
3 h 44 min
